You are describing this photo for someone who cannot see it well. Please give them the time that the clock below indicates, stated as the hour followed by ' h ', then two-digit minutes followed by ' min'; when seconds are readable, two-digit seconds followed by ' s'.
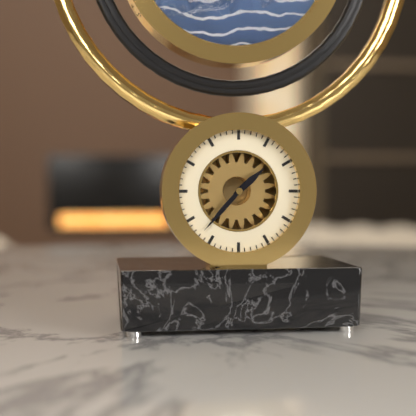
1 h 37 min
